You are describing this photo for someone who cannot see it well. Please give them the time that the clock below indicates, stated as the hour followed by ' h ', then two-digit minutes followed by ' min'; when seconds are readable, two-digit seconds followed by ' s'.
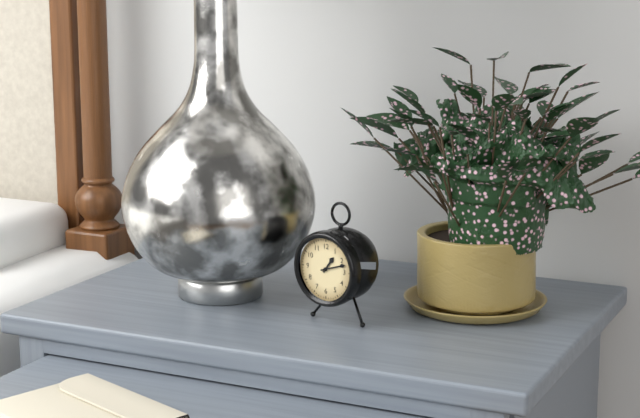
1 h 12 min
